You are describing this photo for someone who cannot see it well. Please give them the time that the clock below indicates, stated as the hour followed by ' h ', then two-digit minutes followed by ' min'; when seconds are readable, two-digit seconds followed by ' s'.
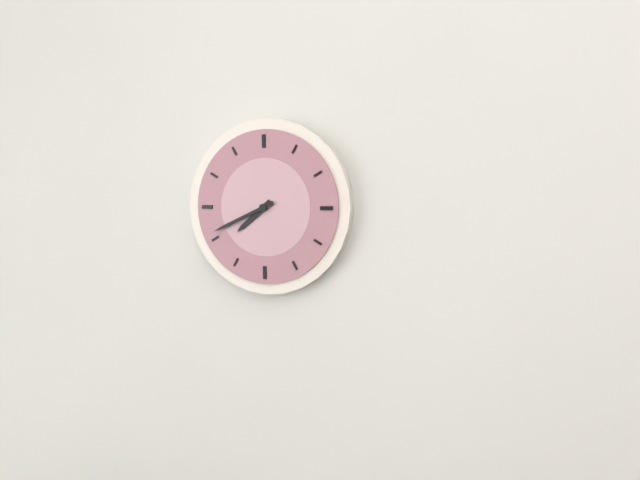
7 h 41 min
